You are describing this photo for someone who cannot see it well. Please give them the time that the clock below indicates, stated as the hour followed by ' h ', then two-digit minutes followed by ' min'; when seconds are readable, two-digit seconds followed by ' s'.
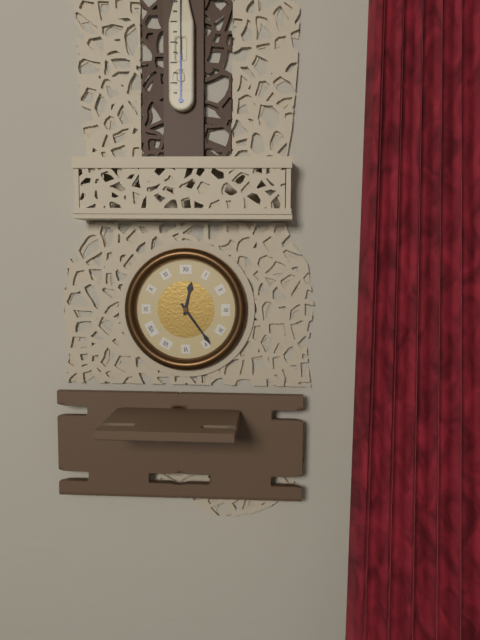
12 h 24 min
